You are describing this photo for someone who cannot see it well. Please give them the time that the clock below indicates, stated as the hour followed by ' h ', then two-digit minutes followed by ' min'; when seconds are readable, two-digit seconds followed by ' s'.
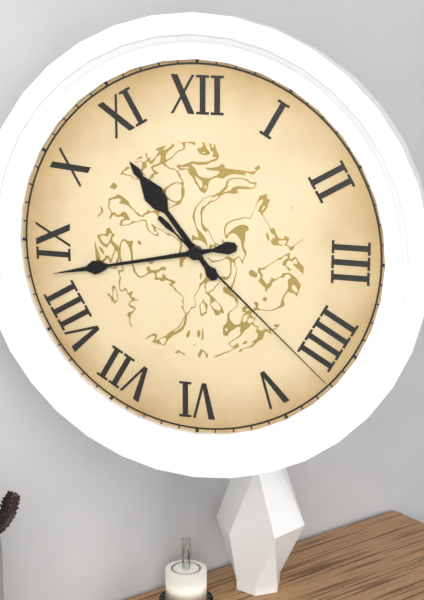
10 h 43 min 22 s
